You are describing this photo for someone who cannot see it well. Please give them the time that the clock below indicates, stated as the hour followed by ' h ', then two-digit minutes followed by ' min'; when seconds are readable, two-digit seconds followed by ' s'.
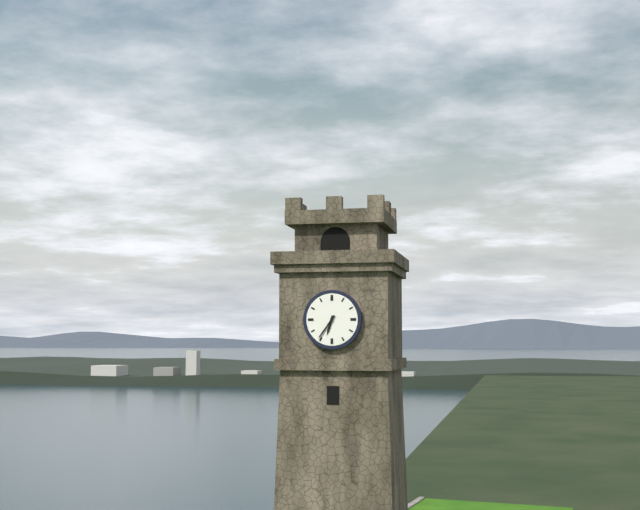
6 h 36 min
